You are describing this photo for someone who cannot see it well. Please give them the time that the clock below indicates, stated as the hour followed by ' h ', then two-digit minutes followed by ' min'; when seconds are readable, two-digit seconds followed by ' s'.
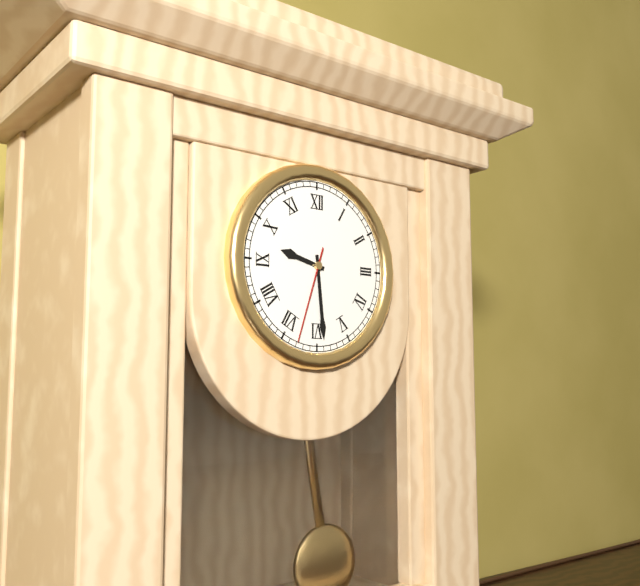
9 h 29 min 33 s
